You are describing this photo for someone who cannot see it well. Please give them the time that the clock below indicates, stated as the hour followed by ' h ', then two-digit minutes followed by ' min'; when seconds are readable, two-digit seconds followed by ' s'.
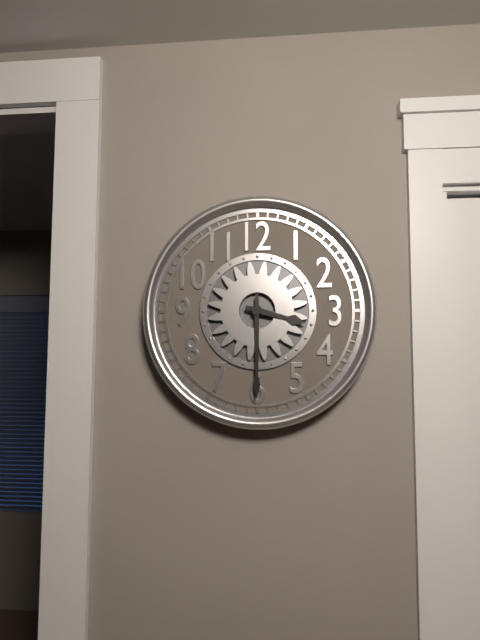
3 h 30 min
